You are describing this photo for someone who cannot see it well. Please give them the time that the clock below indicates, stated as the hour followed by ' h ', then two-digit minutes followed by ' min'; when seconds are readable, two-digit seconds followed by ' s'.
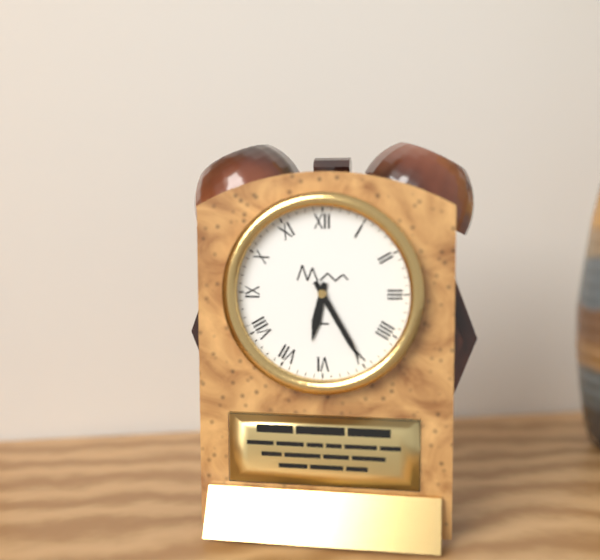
6 h 25 min
